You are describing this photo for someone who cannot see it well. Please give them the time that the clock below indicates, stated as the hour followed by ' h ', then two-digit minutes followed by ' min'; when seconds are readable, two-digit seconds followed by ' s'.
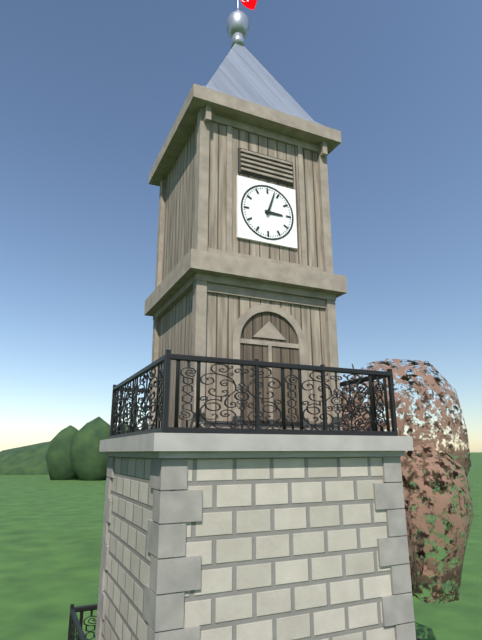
3 h 03 min
